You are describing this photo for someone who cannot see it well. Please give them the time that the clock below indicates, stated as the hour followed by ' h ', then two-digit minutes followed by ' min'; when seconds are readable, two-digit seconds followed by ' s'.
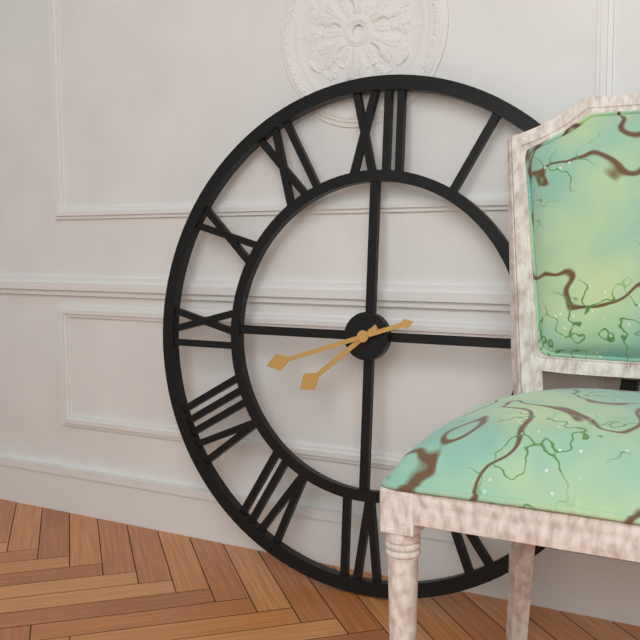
7 h 42 min
